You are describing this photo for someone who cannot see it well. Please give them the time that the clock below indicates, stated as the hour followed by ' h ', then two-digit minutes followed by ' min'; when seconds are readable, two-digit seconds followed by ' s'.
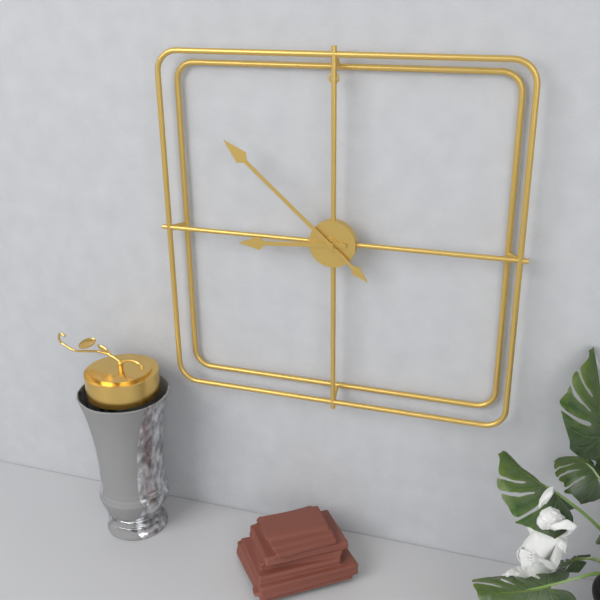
8 h 52 min
